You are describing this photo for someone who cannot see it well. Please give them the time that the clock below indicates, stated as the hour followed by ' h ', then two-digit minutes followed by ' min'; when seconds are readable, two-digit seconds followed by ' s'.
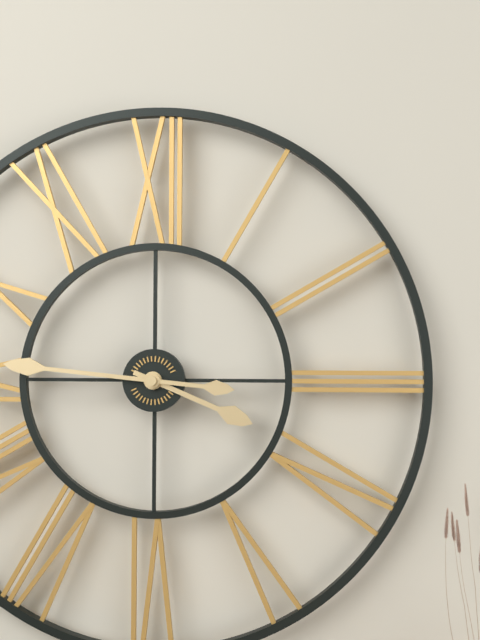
3 h 46 min
